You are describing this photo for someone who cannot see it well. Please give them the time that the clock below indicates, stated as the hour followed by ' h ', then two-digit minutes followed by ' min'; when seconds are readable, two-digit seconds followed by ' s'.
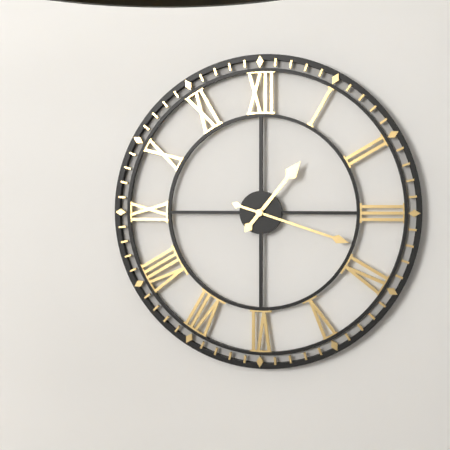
1 h 18 min
